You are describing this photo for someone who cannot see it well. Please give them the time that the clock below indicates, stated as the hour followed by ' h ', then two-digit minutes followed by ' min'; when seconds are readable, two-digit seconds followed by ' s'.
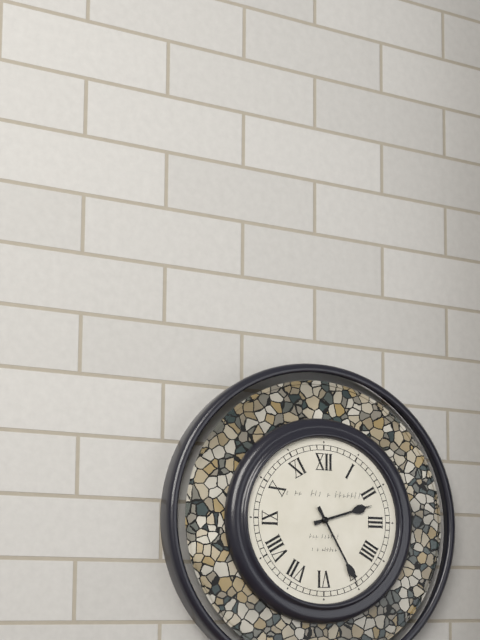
2 h 25 min
